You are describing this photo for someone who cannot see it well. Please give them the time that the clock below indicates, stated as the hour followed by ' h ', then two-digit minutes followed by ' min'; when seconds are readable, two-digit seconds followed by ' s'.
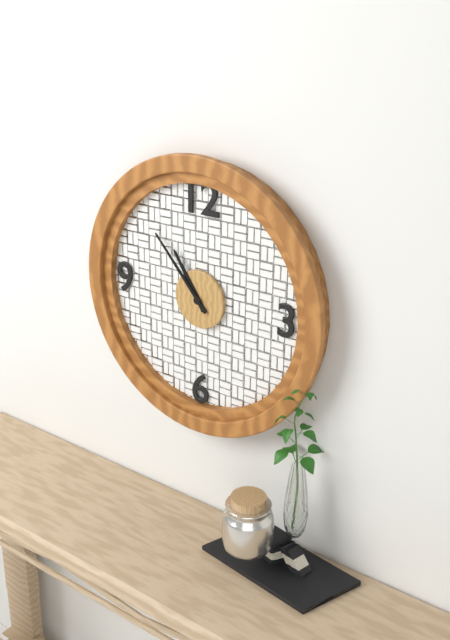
10 h 53 min
